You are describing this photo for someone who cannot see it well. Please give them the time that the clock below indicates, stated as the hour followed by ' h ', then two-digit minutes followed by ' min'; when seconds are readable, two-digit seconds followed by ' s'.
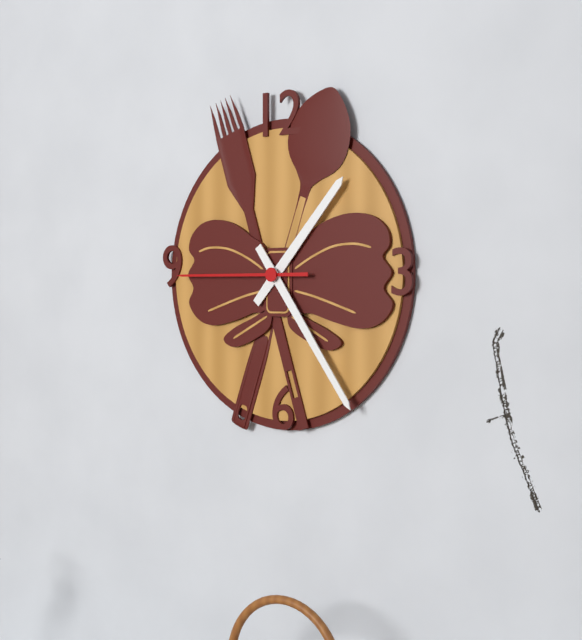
1 h 24 min 45 s
